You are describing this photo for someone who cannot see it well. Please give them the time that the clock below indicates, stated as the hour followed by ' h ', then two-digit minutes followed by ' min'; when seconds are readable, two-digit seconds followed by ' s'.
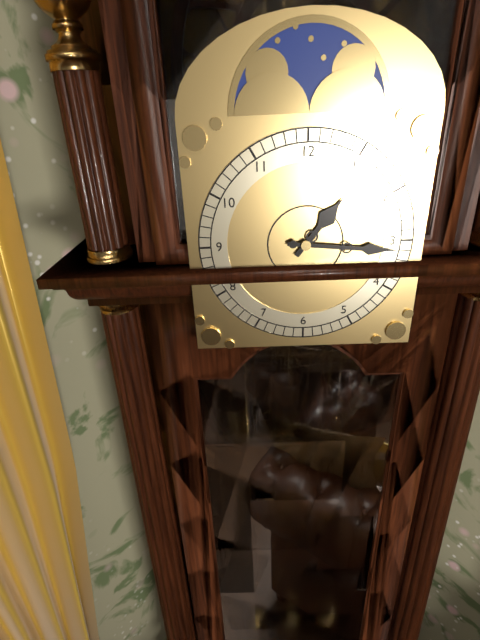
1 h 16 min
